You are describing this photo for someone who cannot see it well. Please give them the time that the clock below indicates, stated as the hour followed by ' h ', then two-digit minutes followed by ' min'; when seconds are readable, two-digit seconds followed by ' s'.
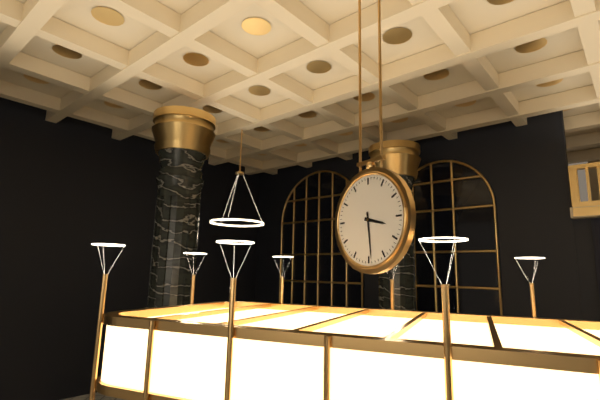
3 h 29 min
